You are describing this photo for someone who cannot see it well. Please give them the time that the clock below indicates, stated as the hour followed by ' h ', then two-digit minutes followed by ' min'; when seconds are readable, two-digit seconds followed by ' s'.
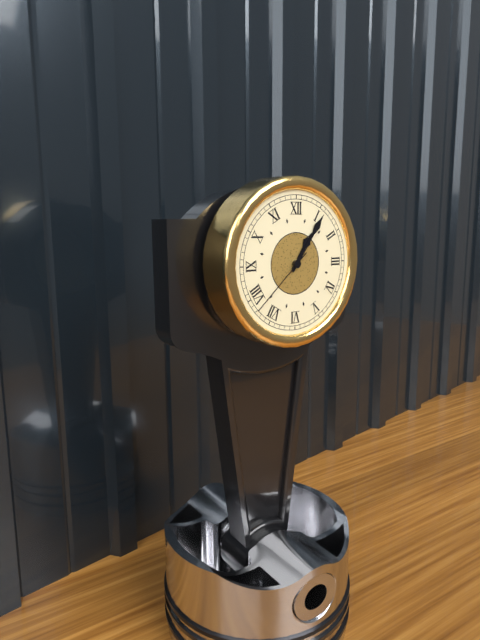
1 h 06 min 38 s
